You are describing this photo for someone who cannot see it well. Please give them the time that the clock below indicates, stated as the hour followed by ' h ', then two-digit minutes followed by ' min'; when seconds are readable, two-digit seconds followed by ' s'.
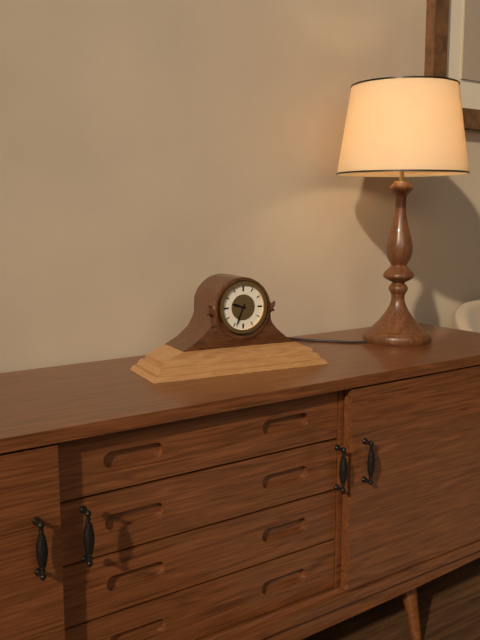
9 h 34 min
